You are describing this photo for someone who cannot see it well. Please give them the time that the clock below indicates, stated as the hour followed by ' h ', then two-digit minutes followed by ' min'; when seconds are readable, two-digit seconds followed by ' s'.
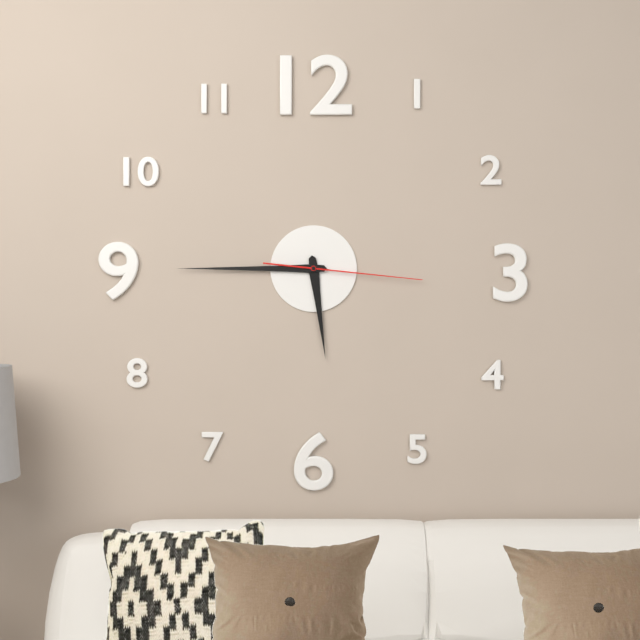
5 h 45 min 16 s
